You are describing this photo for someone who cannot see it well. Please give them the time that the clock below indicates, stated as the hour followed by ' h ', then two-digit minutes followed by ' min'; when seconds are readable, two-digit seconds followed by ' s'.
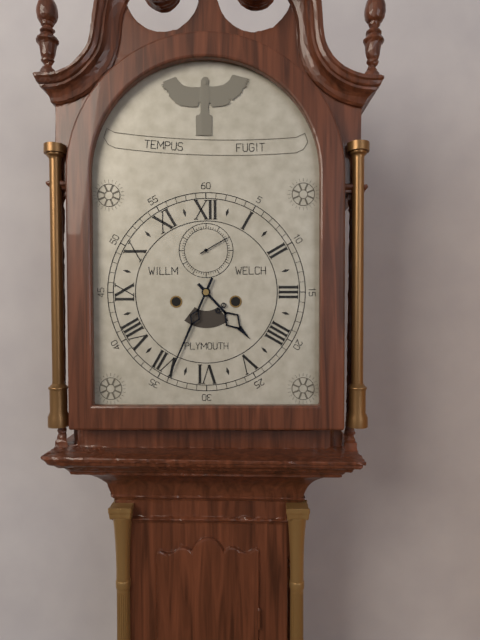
4 h 34 min
